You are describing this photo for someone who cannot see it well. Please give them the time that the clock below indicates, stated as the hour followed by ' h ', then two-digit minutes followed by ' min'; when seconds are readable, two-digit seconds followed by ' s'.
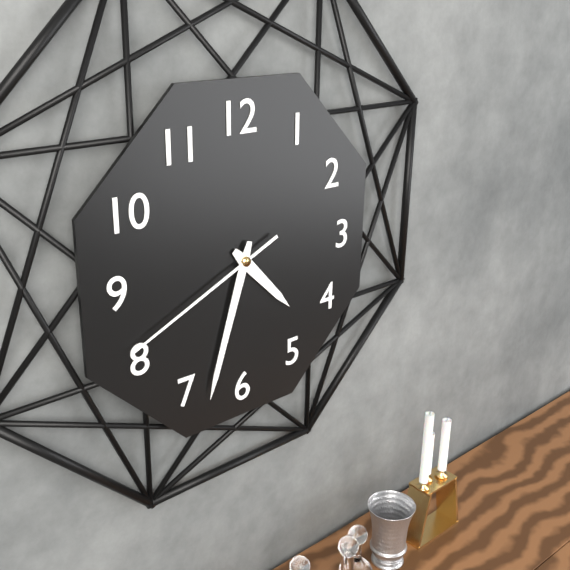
4 h 33 min 41 s
